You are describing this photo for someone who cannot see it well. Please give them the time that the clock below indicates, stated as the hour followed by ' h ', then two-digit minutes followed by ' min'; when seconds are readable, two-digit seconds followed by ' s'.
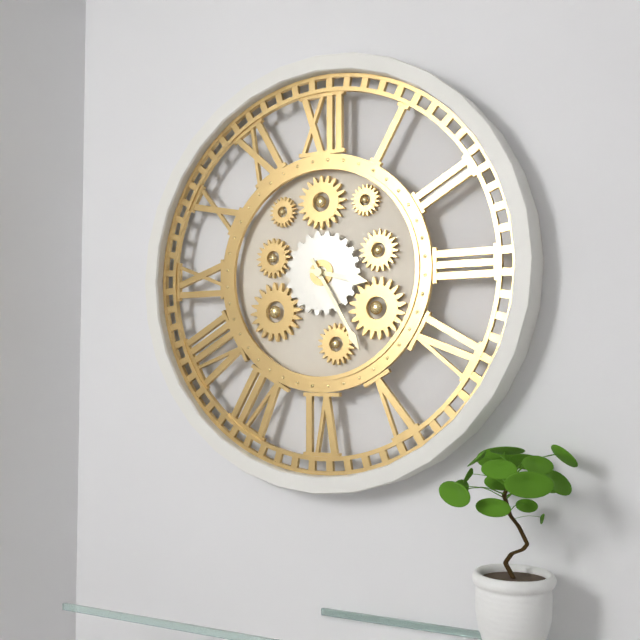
3 h 25 min
